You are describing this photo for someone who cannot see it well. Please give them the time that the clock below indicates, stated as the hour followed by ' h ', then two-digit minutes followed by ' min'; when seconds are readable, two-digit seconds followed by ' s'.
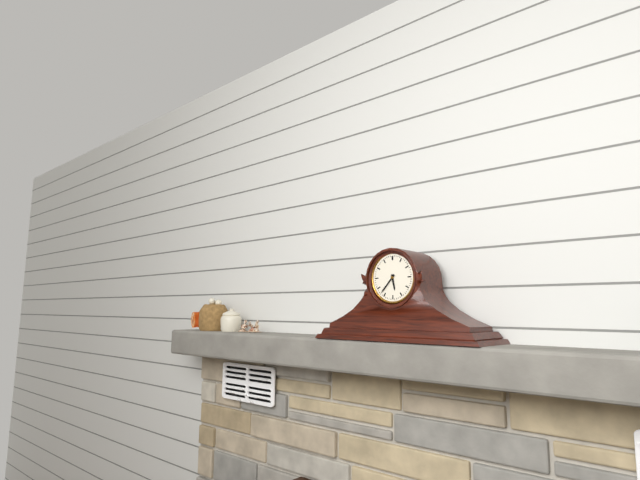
5 h 37 min
